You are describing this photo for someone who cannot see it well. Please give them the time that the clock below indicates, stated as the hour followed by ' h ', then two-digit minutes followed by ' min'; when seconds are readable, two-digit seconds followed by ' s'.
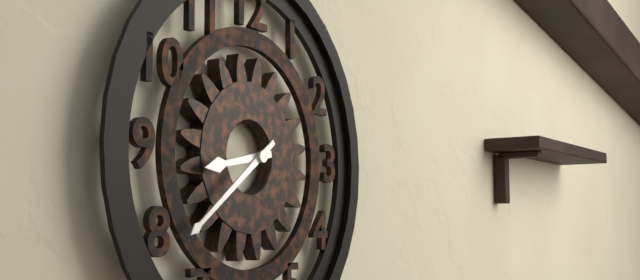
8 h 39 min
